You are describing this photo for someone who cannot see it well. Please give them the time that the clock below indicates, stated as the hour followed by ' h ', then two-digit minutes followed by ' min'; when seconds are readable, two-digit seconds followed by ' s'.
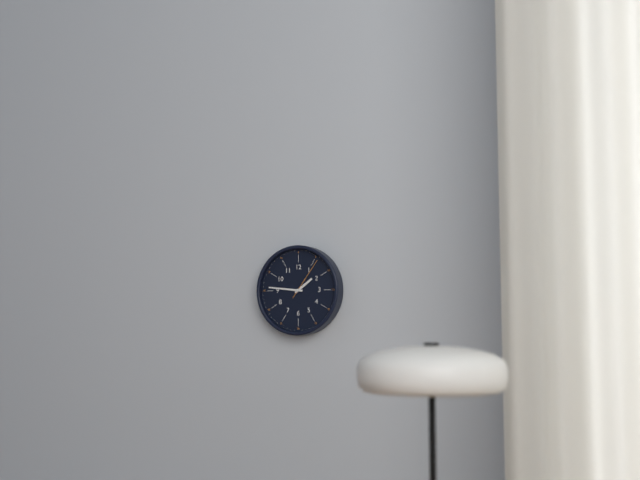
1 h 46 min
